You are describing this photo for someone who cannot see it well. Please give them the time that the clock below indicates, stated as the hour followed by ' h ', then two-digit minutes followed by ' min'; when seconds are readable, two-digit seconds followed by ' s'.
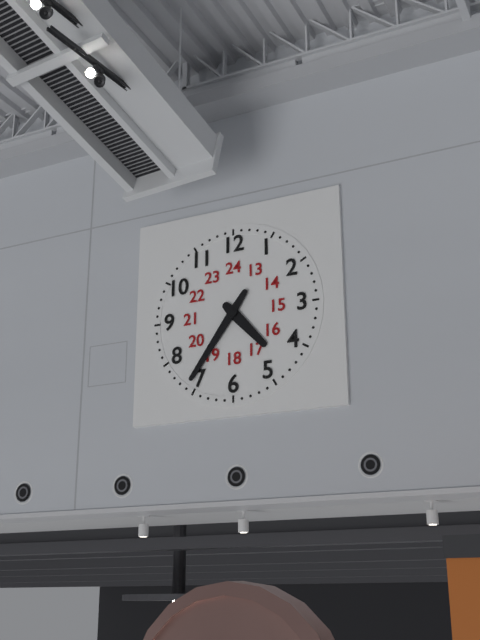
4 h 36 min
